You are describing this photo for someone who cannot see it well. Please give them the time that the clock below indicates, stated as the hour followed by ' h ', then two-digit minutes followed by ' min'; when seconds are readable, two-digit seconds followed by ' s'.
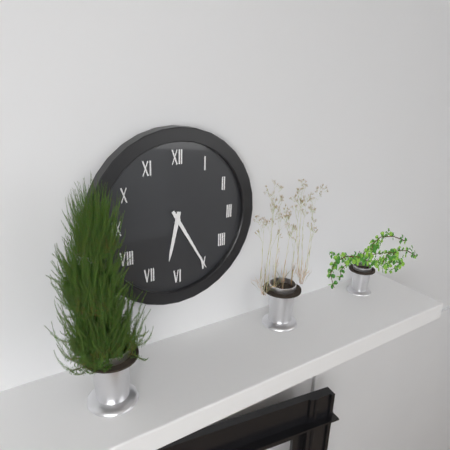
6 h 25 min
